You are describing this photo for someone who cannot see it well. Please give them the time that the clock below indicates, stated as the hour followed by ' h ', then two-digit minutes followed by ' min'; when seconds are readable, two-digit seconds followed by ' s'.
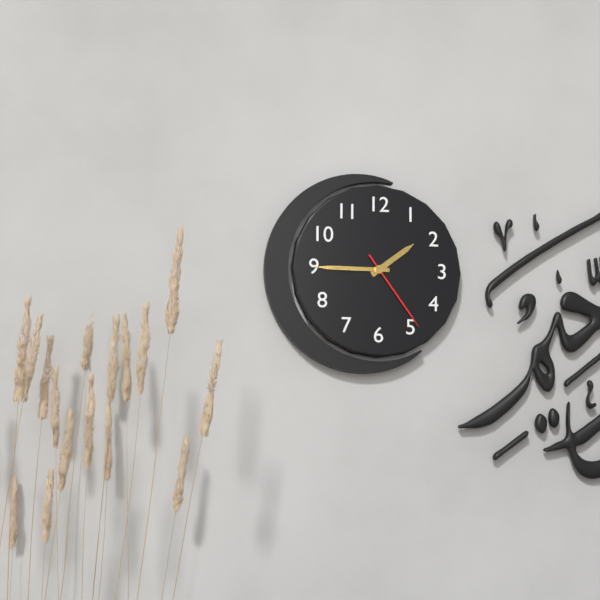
1 h 45 min 24 s
